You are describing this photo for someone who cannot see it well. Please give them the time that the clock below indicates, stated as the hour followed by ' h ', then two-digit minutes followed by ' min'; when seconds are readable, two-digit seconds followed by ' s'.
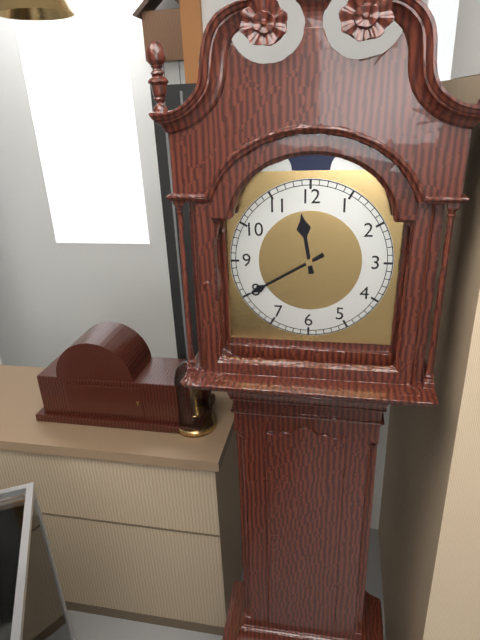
11 h 40 min
